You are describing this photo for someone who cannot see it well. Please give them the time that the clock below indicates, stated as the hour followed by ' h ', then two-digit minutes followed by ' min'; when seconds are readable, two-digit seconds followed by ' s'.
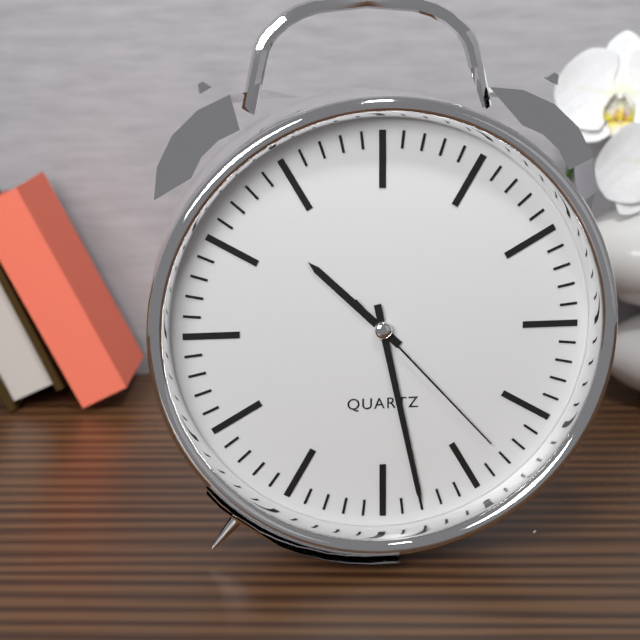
10 h 28 min 23 s
